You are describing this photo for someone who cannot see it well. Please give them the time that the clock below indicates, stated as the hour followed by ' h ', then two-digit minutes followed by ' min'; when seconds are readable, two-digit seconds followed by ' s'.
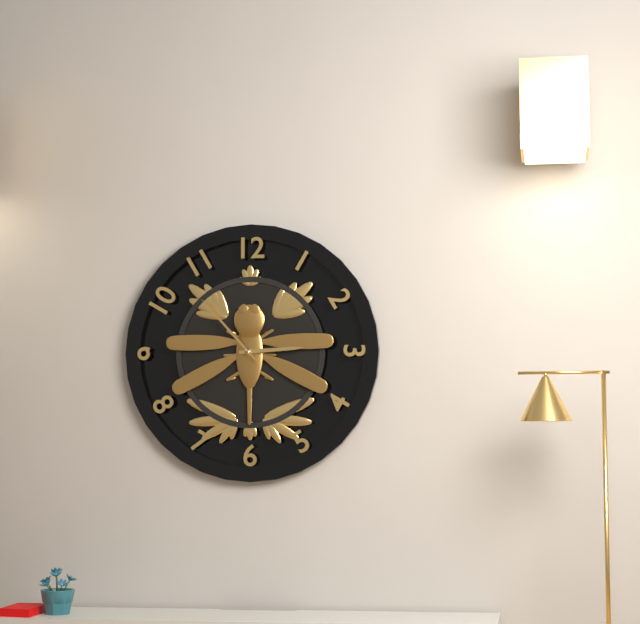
2 h 53 min
